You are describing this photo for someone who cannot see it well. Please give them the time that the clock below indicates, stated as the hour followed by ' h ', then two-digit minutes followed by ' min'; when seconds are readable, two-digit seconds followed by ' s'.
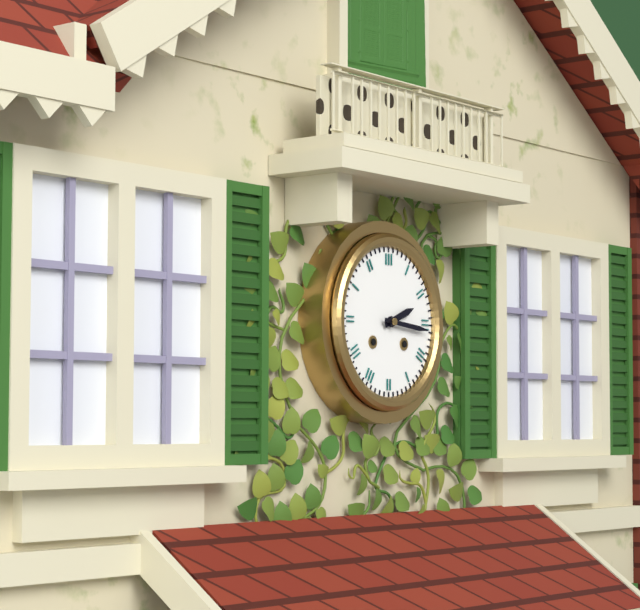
2 h 16 min
